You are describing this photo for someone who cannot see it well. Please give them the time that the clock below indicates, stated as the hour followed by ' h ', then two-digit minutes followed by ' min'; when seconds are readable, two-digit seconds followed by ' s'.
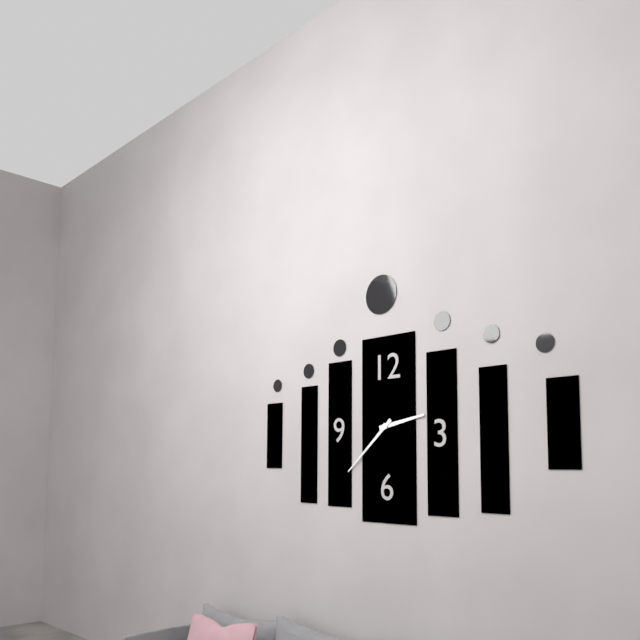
2 h 38 min
